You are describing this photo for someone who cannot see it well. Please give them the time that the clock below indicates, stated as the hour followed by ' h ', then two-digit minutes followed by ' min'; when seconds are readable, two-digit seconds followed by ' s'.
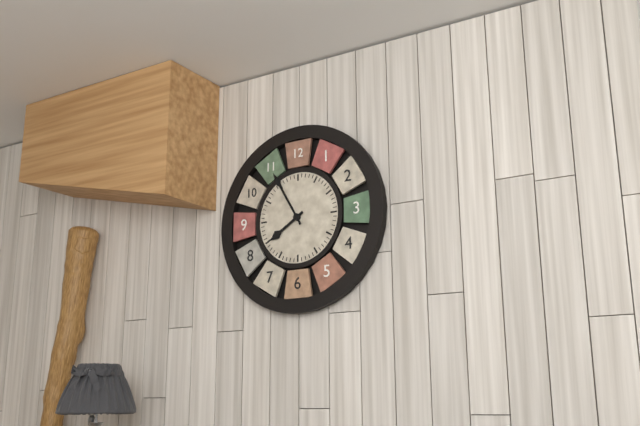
7 h 55 min
